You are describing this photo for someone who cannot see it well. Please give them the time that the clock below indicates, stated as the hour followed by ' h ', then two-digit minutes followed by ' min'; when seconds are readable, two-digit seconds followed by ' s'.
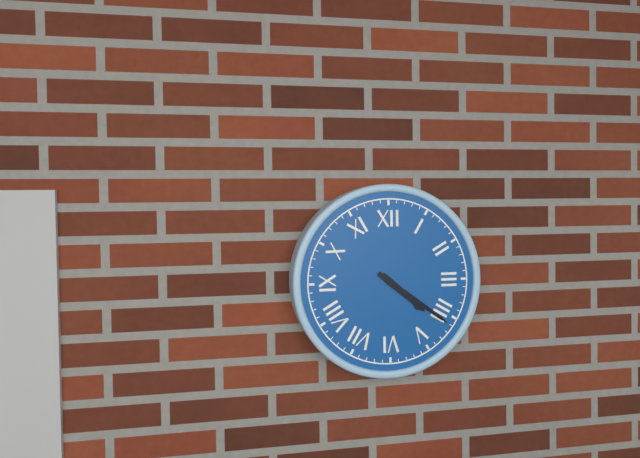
4 h 21 min
